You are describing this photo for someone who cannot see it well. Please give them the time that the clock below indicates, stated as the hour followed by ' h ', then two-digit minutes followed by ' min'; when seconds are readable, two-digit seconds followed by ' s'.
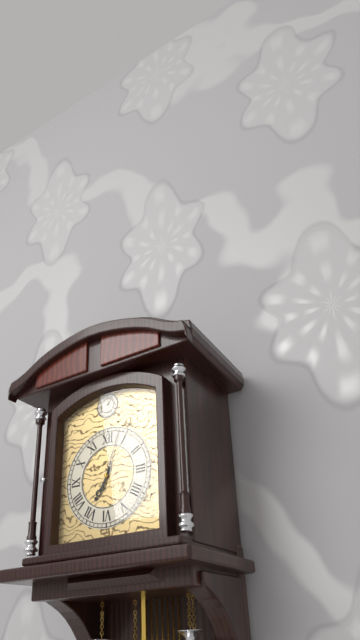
7 h 03 min
